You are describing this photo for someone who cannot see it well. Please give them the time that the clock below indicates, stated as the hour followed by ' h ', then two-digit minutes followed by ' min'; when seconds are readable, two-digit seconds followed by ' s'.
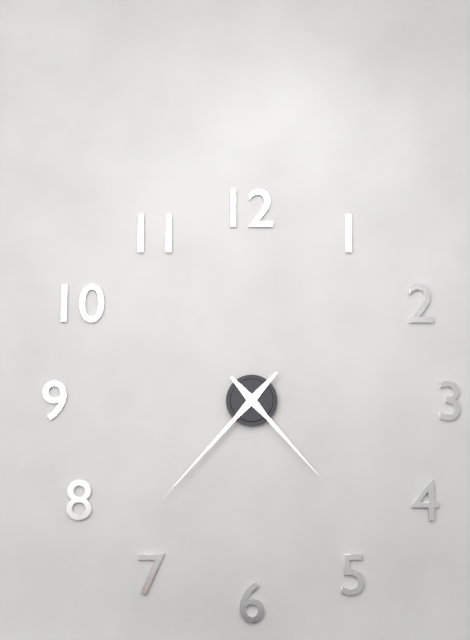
4 h 37 min
